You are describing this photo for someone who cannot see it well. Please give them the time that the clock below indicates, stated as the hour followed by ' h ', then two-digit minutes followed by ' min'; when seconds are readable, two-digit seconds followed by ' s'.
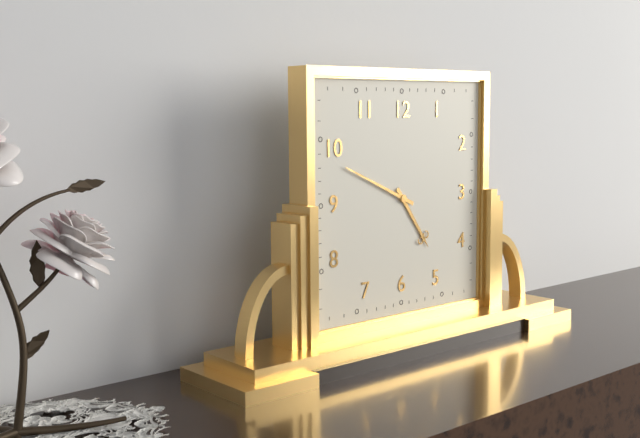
4 h 49 min
